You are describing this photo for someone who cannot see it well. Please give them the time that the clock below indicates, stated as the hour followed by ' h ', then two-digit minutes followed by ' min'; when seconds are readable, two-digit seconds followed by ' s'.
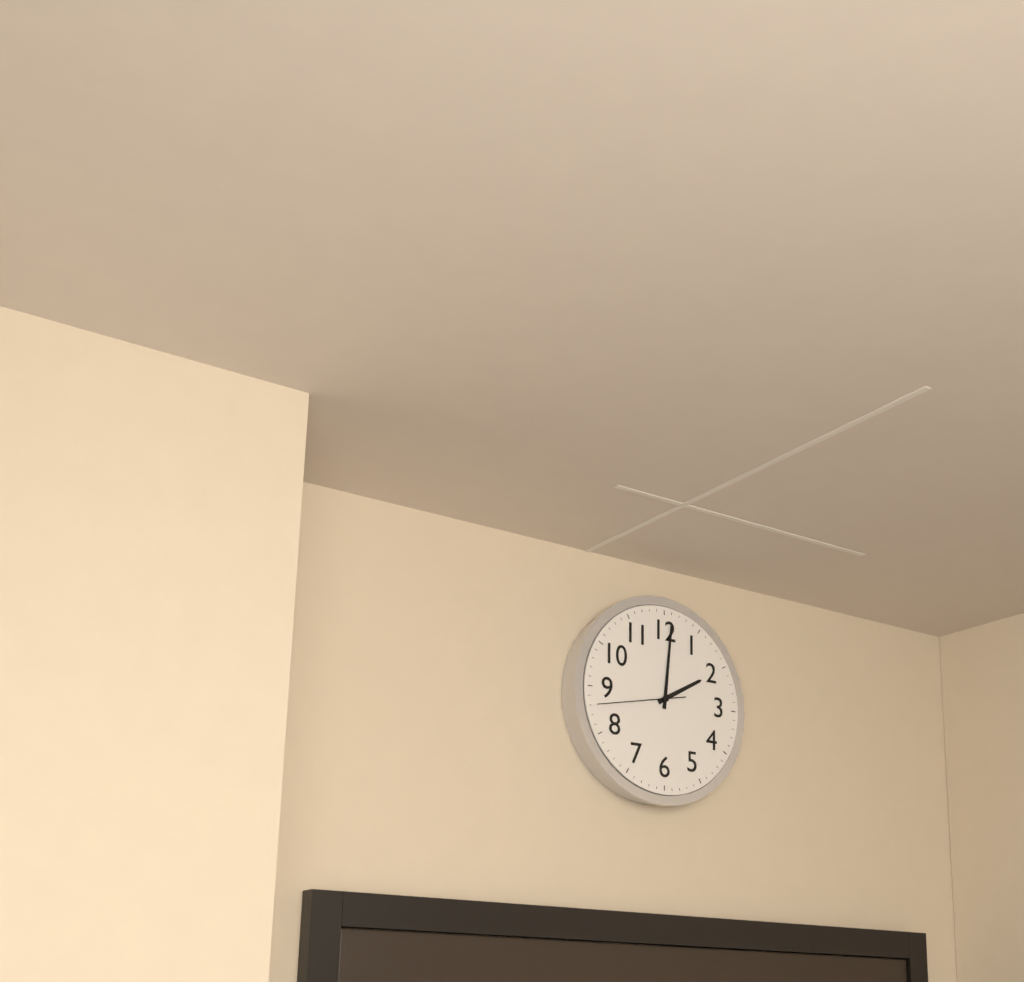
2 h 01 min 43 s
